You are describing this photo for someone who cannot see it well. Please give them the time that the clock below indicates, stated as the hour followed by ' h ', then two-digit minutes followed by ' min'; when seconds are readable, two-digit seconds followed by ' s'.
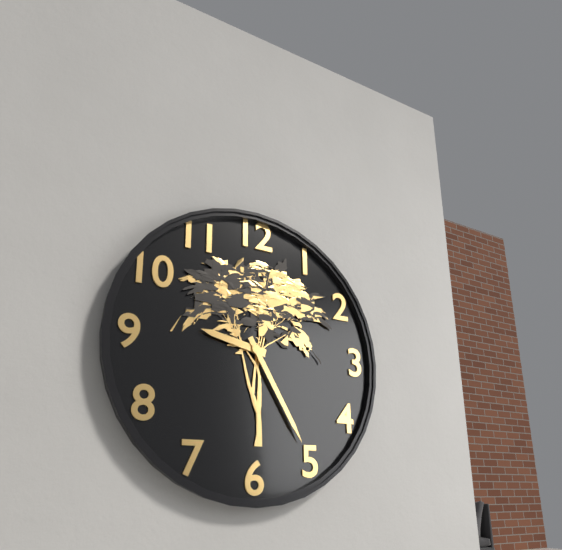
9 h 25 min
